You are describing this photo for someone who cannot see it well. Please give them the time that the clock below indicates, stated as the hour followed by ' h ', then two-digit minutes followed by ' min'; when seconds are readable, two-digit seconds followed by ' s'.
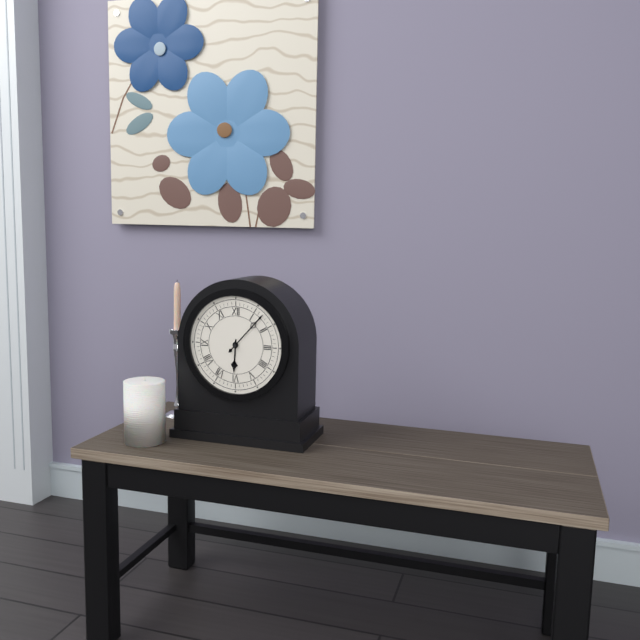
6 h 07 min
